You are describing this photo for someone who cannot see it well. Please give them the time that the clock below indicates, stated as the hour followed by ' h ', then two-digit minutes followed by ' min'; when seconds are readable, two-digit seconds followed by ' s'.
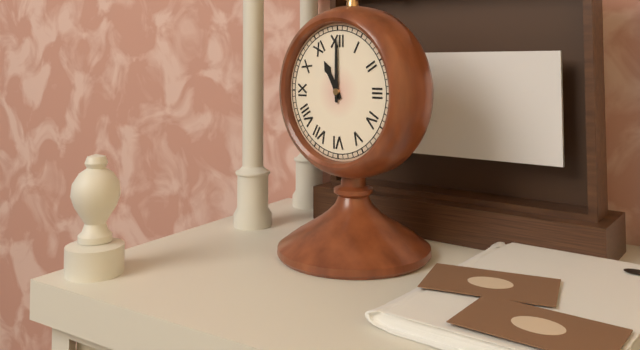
11 h 00 min
